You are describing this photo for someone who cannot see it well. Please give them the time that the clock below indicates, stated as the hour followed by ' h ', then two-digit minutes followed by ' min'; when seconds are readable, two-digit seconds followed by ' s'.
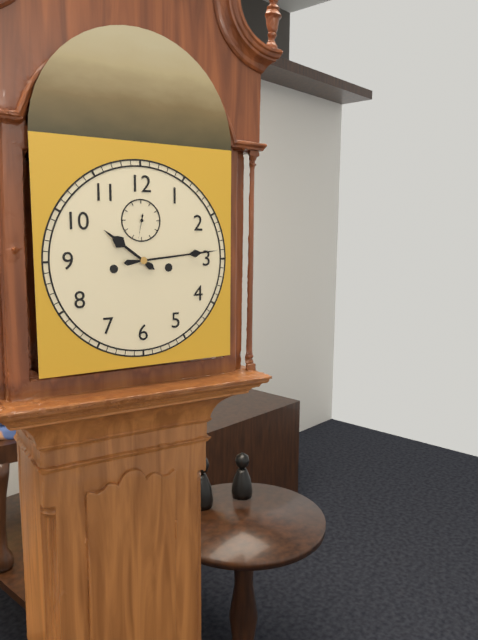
10 h 14 min
